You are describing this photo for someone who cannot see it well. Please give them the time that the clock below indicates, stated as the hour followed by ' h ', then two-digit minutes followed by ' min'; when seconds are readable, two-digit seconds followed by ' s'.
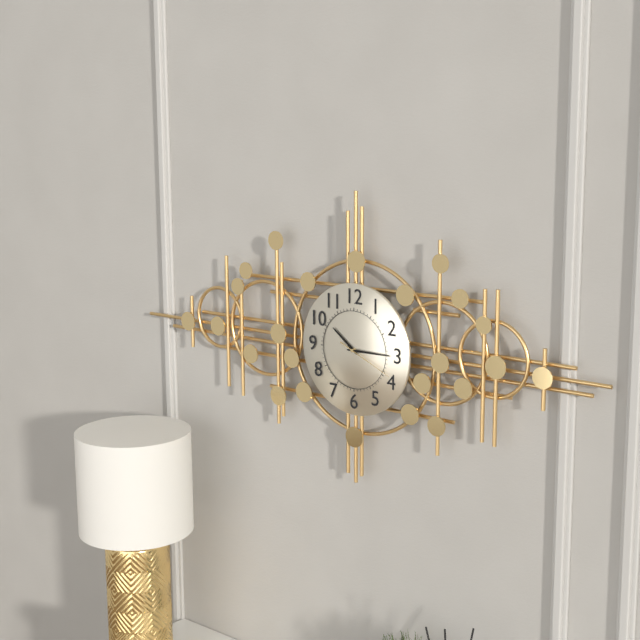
10 h 15 min 19 s
